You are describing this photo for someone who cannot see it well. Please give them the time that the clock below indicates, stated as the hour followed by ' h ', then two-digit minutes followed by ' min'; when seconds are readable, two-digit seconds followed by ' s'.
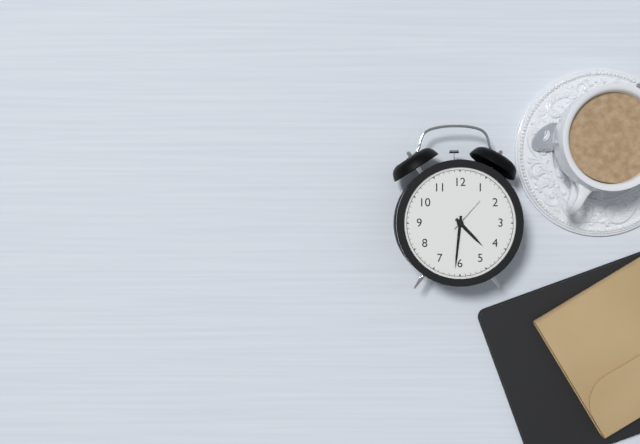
4 h 31 min
